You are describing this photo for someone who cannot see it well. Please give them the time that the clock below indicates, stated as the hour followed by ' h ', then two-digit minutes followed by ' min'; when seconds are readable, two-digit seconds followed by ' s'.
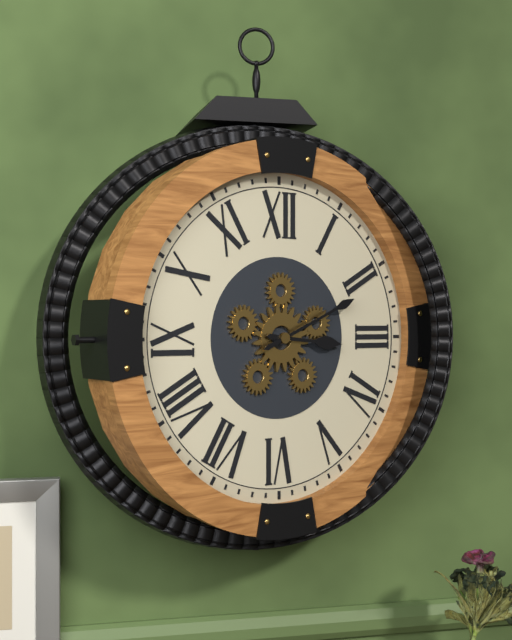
3 h 11 min
